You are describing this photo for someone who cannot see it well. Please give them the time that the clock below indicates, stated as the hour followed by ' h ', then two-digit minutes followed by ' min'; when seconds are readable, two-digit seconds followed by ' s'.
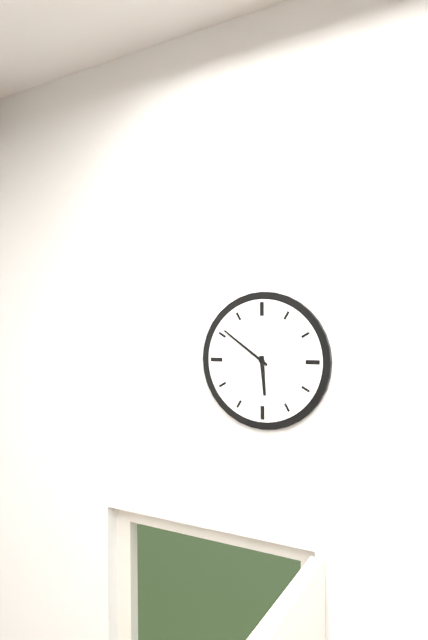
5 h 51 min
